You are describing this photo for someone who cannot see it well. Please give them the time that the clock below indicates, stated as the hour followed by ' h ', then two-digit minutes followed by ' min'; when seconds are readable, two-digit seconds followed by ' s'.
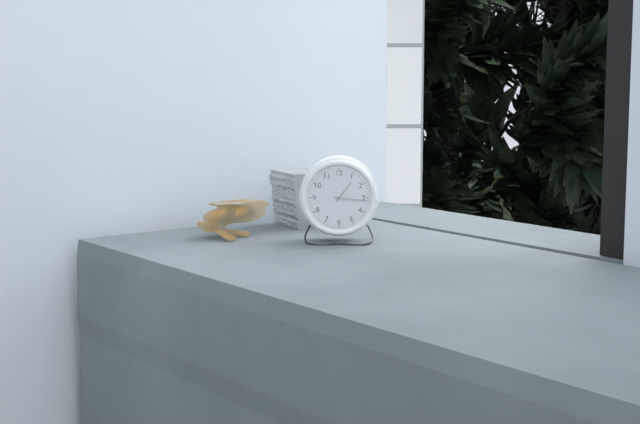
1 h 16 min
